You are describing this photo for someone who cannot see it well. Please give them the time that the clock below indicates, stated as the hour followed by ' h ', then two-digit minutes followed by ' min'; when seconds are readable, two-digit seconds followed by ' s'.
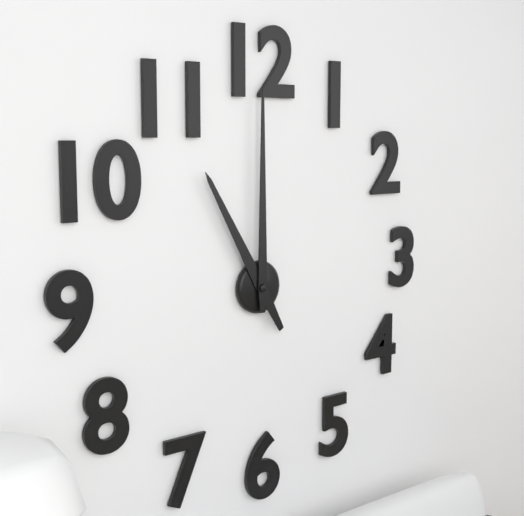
11 h 00 min
